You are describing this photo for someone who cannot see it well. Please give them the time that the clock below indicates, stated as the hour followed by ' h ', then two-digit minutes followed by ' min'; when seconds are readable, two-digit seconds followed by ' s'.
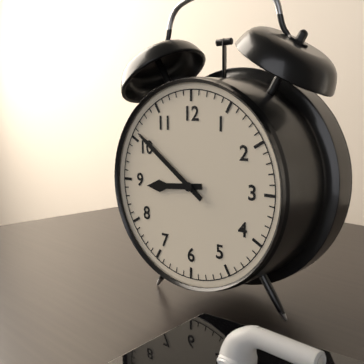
8 h 51 min
